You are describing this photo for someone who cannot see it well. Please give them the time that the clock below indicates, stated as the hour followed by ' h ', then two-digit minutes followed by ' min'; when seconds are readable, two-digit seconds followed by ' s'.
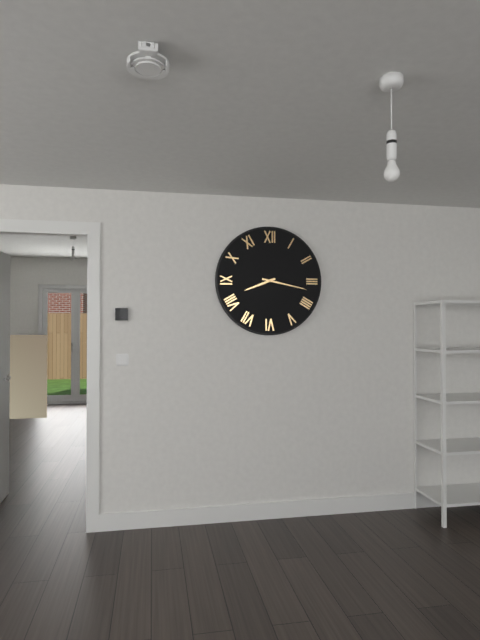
8 h 17 min
